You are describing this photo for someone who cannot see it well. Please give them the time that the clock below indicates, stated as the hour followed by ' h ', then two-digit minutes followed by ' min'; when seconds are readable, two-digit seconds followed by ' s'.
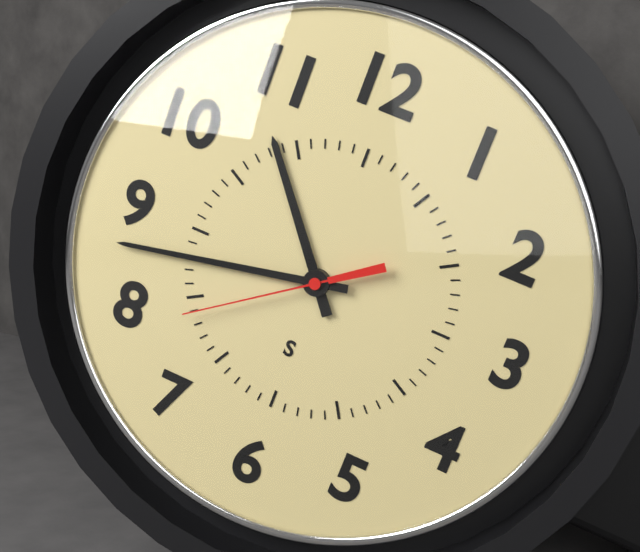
10 h 43 min 39 s
